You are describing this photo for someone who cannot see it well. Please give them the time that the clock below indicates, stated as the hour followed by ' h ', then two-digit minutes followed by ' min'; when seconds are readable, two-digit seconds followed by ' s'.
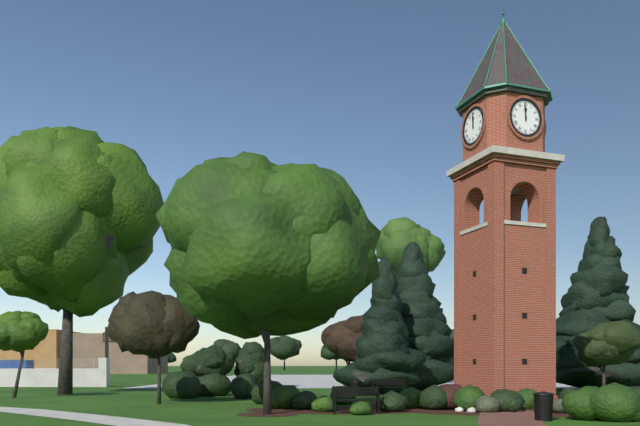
11 h 59 min
